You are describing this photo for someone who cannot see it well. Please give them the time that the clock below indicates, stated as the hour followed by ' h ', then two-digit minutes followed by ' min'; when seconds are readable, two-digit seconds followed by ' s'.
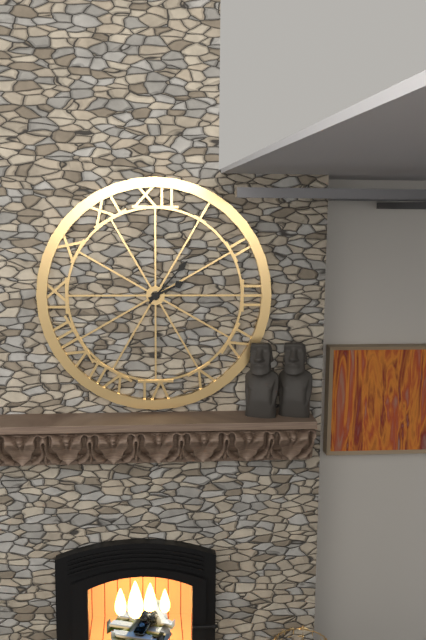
2 h 07 min
